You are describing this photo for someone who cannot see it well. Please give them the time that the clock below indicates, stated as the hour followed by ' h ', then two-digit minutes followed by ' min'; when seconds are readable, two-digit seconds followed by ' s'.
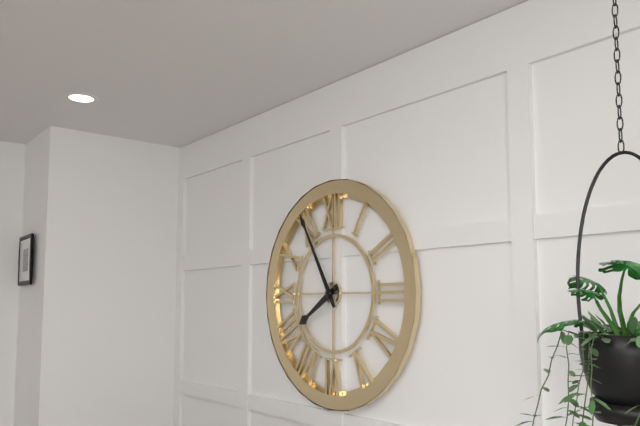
7 h 55 min
